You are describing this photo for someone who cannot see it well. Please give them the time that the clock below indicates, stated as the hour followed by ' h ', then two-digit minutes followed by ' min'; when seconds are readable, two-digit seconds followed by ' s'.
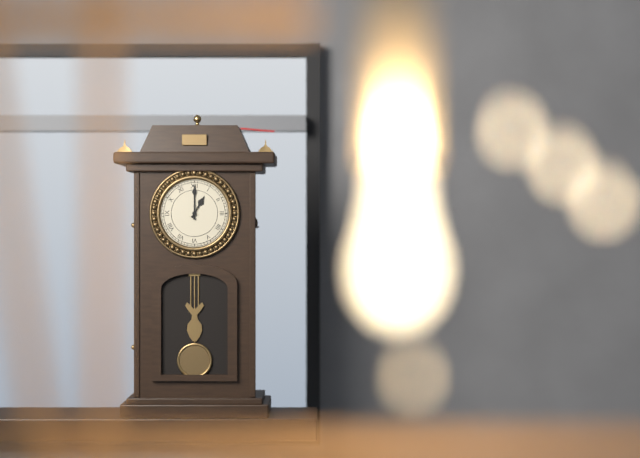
1 h 00 min
